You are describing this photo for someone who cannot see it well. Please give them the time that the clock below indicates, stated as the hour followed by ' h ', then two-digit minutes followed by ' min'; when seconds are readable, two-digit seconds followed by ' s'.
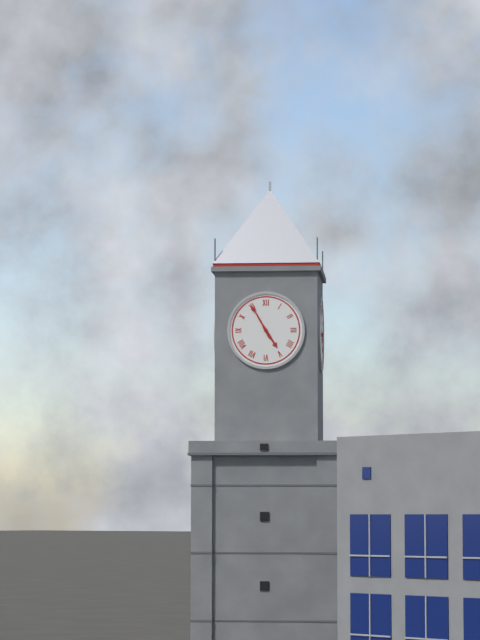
4 h 55 min
